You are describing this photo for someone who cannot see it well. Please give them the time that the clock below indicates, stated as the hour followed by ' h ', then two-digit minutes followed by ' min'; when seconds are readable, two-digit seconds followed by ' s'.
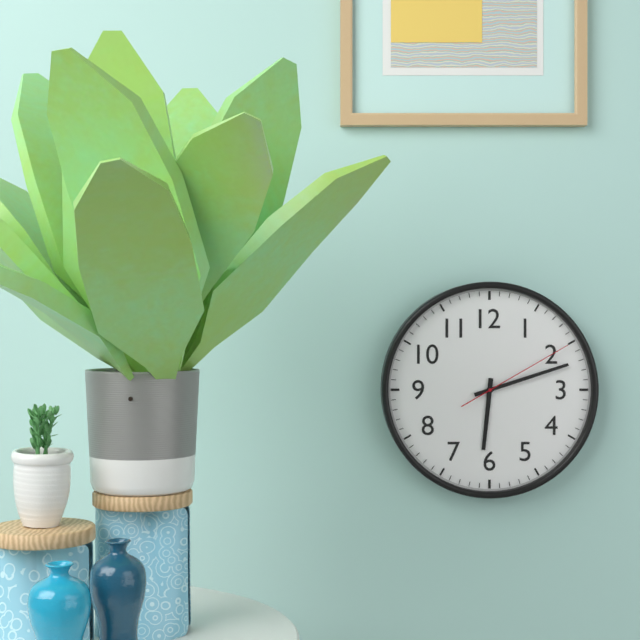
6 h 12 min 10 s
